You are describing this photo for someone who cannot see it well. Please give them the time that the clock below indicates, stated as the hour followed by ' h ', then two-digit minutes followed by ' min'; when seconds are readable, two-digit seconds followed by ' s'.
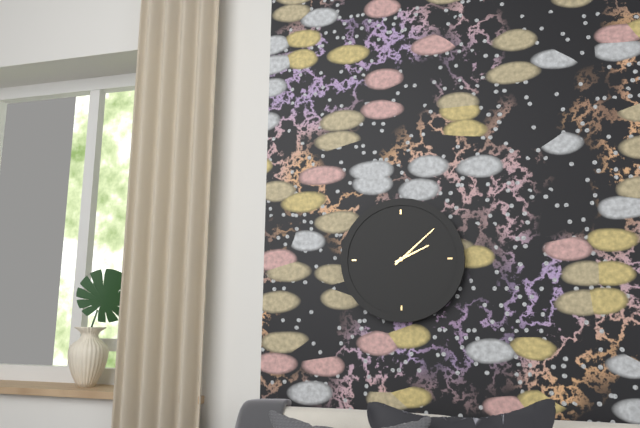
2 h 08 min
